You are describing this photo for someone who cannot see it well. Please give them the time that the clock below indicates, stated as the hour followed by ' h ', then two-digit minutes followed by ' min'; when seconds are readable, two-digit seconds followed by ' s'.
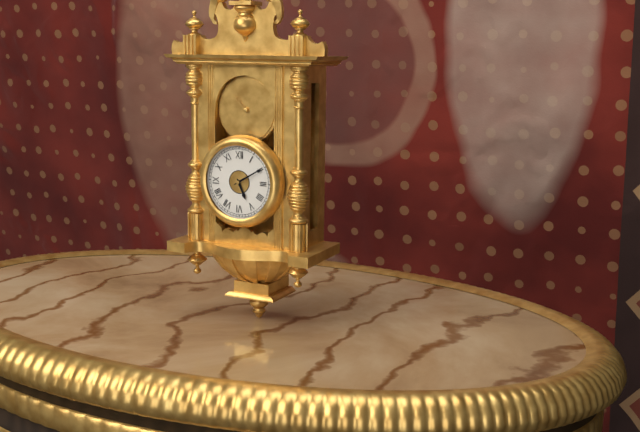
5 h 10 min
